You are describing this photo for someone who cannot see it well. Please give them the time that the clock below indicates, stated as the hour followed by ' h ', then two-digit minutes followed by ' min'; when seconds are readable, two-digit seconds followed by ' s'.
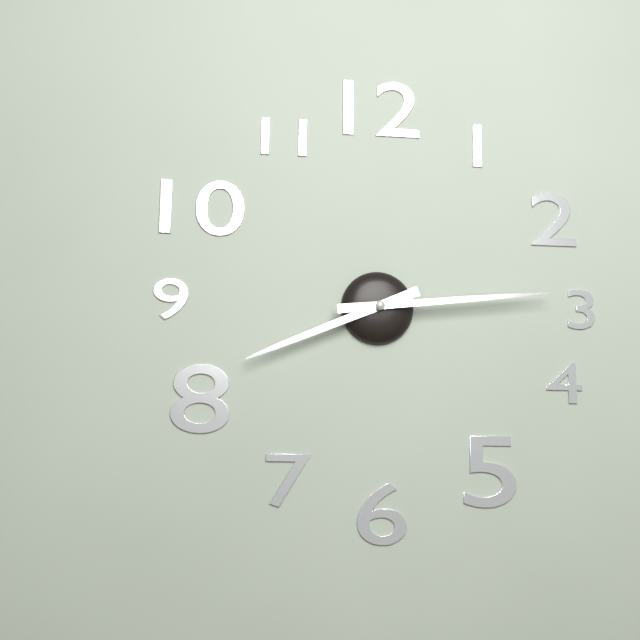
8 h 14 min
